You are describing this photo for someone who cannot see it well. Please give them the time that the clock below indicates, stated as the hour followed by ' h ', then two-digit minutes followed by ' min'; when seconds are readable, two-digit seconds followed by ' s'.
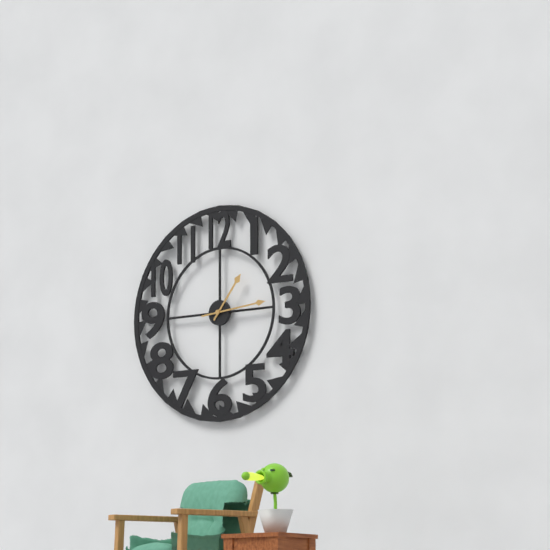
1 h 14 min
